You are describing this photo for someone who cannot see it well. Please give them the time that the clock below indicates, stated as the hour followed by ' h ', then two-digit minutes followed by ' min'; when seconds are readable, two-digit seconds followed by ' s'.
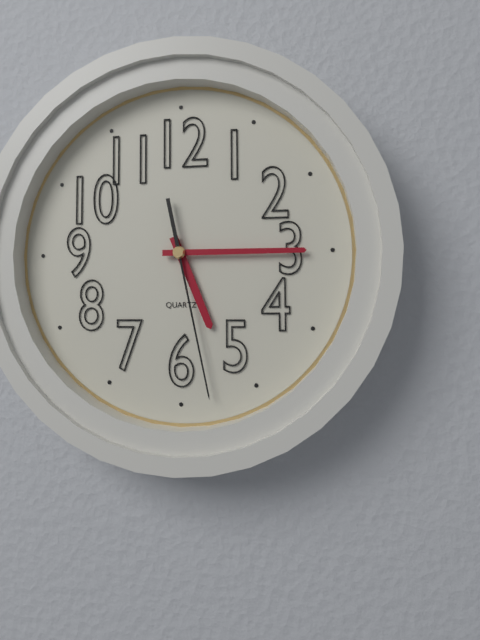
5 h 15 min 28 s
